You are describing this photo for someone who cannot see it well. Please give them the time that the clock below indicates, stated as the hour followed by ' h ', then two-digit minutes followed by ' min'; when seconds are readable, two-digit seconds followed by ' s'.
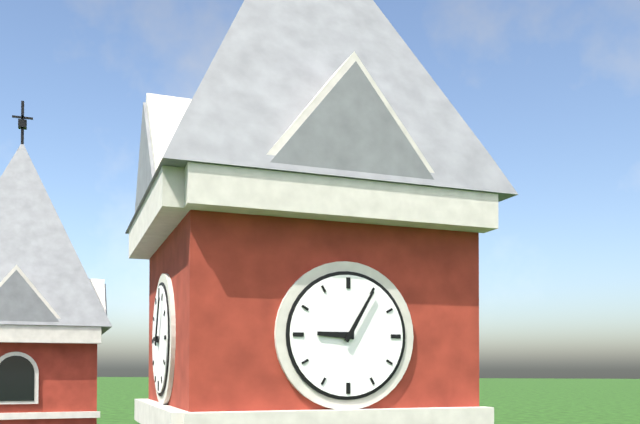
9 h 05 min
